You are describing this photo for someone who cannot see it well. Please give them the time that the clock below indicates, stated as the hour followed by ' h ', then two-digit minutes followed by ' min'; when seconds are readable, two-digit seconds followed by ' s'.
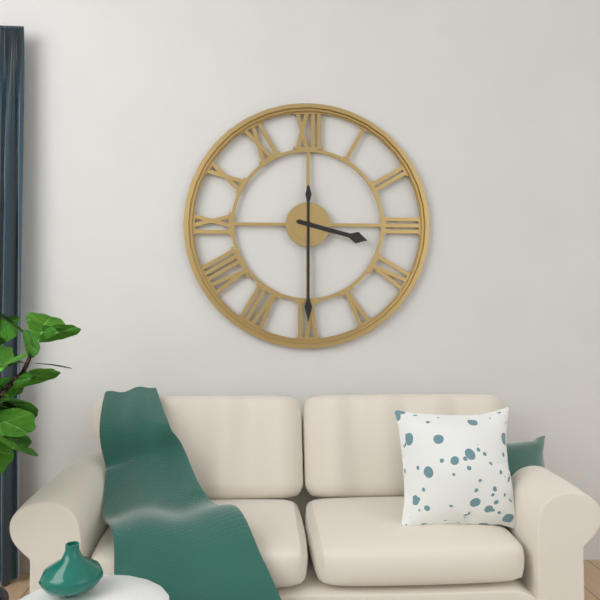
3 h 30 min
